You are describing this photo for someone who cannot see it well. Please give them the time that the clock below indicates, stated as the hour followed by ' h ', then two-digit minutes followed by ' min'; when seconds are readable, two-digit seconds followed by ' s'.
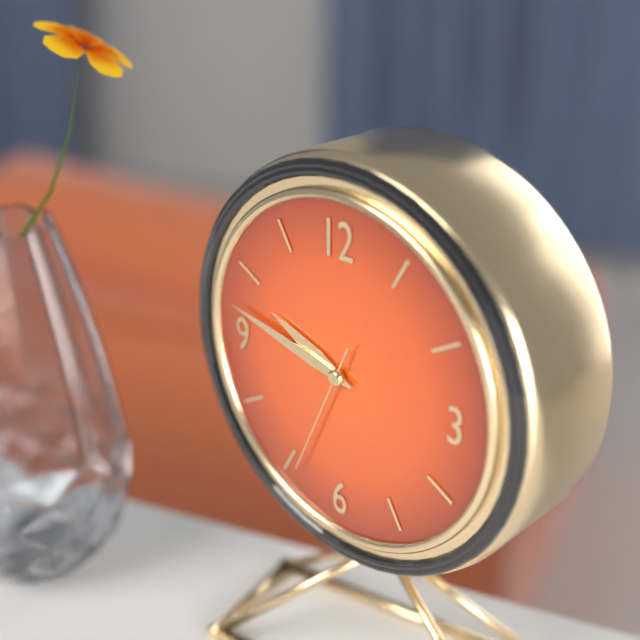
9 h 47 min 34 s
